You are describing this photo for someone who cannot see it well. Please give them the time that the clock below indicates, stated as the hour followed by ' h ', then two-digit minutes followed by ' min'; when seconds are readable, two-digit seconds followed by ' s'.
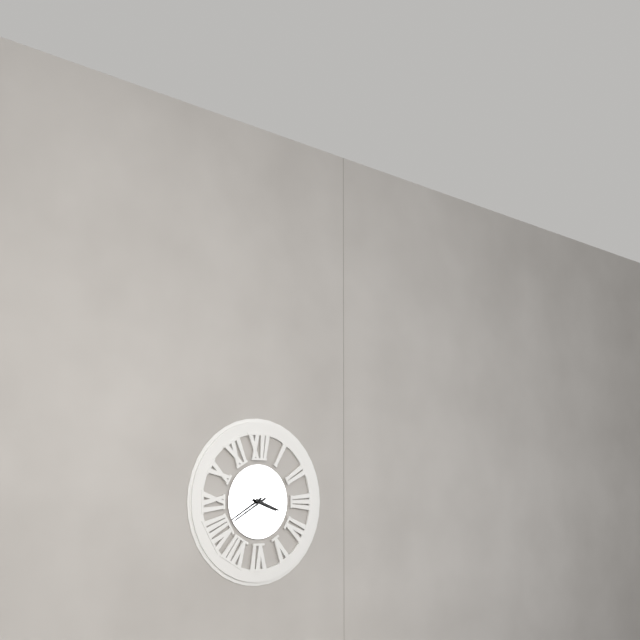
3 h 40 min
